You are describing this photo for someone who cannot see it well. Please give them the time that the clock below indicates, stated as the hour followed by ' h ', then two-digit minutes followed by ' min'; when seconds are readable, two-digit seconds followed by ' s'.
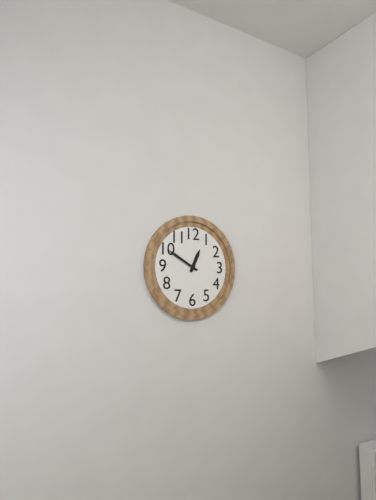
12 h 50 min
